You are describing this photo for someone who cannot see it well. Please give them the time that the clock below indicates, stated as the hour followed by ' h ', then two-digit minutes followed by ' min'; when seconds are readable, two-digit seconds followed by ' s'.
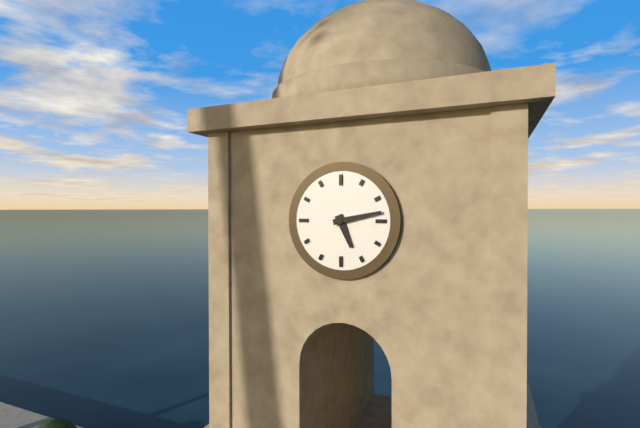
5 h 13 min
